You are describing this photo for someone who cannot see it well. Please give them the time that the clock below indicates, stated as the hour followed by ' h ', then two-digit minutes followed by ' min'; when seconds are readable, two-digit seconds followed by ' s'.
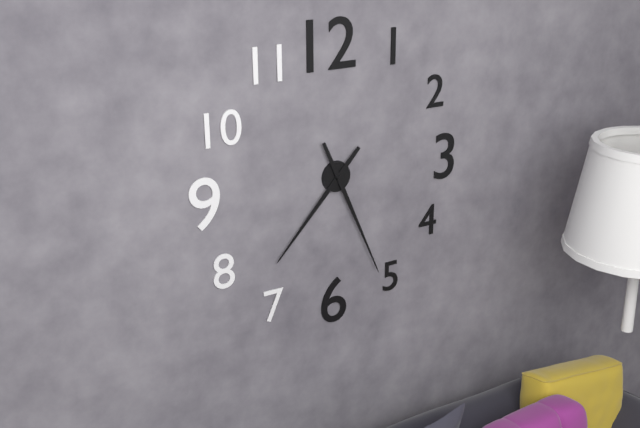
7 h 26 min
